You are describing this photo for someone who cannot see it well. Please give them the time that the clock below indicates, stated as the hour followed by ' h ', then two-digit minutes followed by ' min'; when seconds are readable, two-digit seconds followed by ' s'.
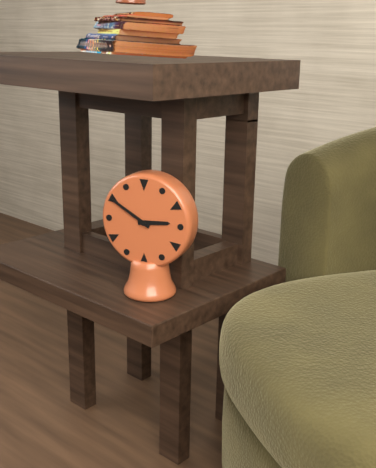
2 h 50 min
